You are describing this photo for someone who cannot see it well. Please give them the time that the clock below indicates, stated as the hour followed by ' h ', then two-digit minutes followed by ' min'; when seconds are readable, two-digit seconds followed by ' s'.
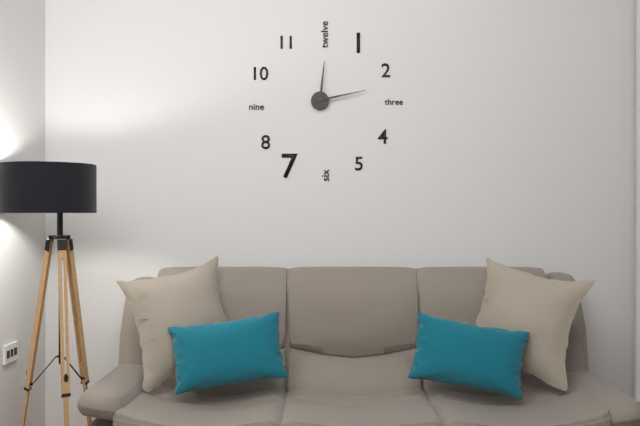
12 h 13 min
